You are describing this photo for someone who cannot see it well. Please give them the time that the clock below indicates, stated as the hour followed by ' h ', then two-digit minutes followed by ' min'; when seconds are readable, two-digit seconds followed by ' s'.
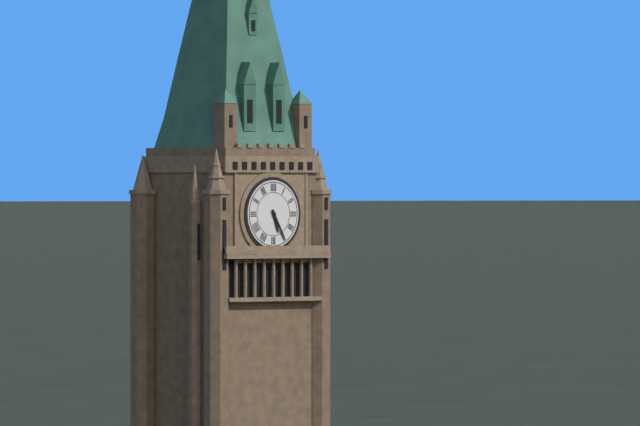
5 h 25 min
